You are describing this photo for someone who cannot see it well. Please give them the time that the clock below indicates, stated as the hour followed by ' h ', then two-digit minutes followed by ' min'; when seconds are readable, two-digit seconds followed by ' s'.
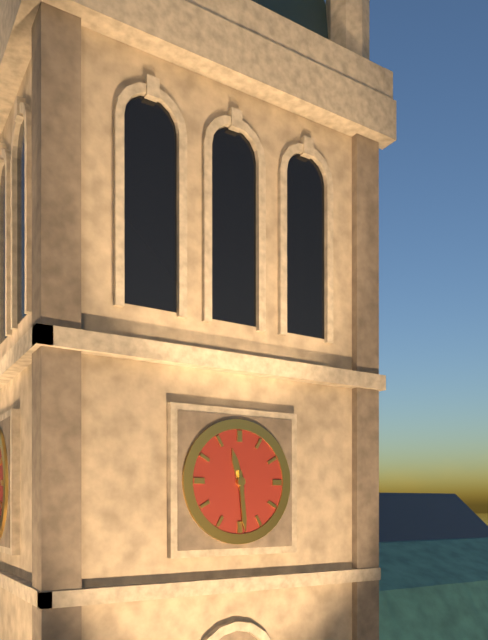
11 h 29 min
